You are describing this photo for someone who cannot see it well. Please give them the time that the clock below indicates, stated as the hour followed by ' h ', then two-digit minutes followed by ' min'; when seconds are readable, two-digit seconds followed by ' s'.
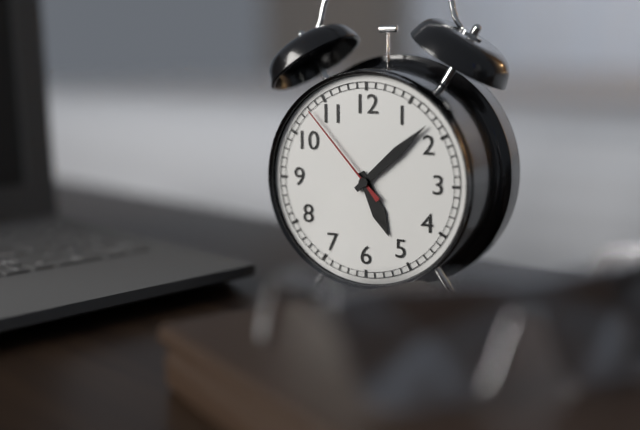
5 h 08 min 53 s
